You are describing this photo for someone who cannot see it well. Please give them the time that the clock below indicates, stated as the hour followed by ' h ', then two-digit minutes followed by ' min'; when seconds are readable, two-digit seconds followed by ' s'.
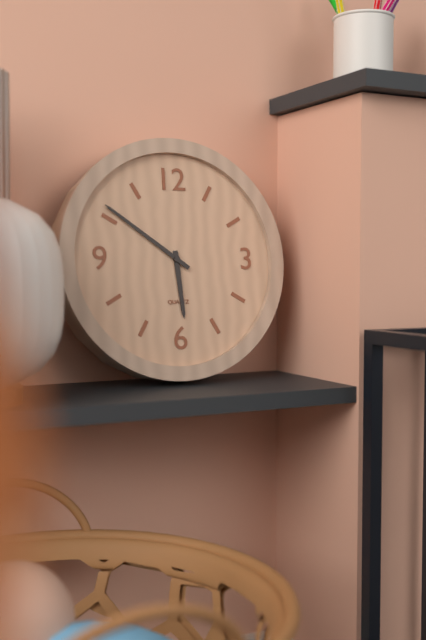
5 h 51 min
